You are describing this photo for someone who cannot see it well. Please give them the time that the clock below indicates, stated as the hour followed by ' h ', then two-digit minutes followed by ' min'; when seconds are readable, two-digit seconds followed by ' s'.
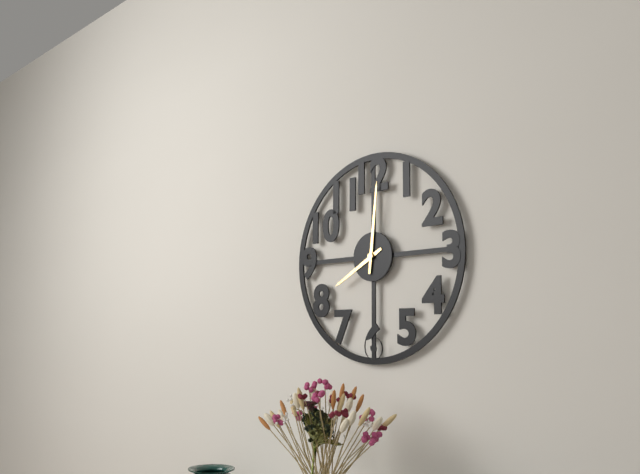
8 h 01 min
